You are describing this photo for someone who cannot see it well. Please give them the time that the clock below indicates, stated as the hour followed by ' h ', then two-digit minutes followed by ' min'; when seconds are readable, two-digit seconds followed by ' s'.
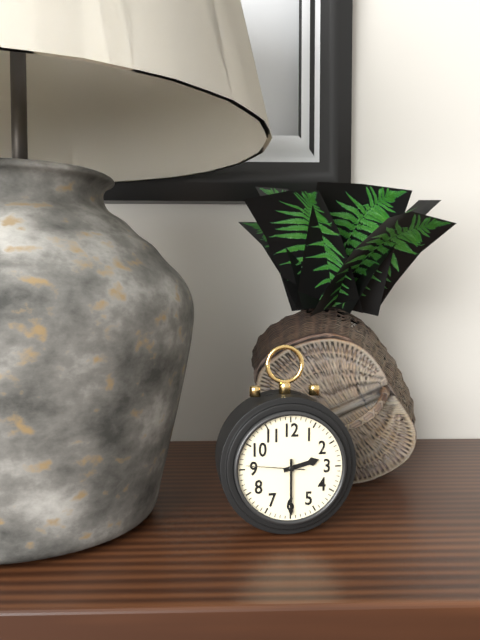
2 h 30 min 46 s
